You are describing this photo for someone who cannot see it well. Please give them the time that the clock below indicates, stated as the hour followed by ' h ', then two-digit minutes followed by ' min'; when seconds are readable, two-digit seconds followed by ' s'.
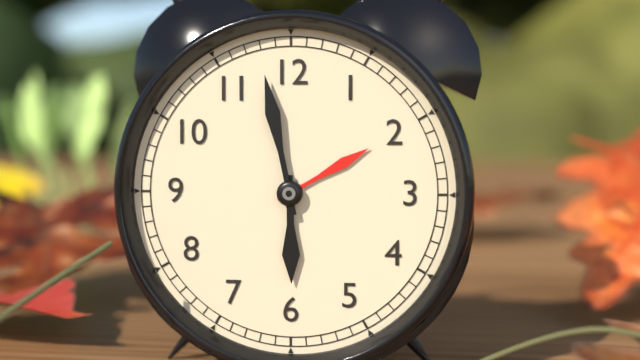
5 h 58 min
